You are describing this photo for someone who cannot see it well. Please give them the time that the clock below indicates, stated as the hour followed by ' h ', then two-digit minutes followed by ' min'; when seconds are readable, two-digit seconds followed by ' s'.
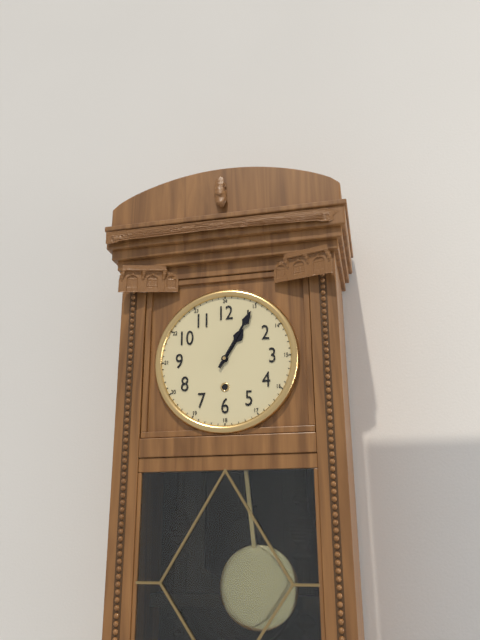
1 h 05 min
